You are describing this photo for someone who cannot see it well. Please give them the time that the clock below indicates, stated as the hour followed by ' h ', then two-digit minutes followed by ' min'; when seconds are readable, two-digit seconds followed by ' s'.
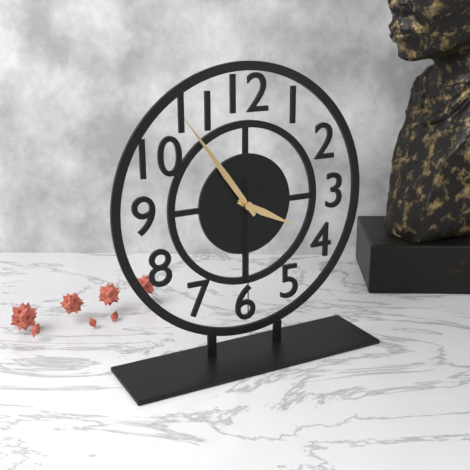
3 h 54 min 30 s
